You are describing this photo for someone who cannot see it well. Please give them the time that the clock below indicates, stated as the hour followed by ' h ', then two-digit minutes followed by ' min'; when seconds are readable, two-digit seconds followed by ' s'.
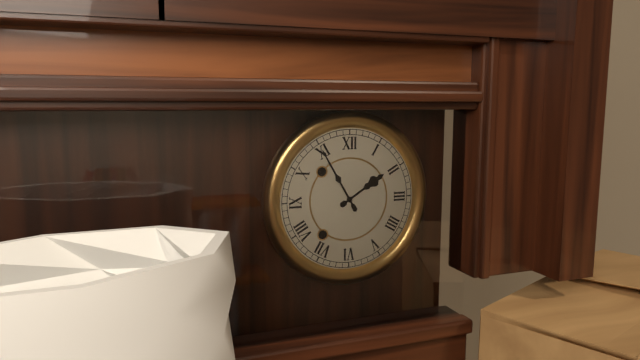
1 h 55 min
